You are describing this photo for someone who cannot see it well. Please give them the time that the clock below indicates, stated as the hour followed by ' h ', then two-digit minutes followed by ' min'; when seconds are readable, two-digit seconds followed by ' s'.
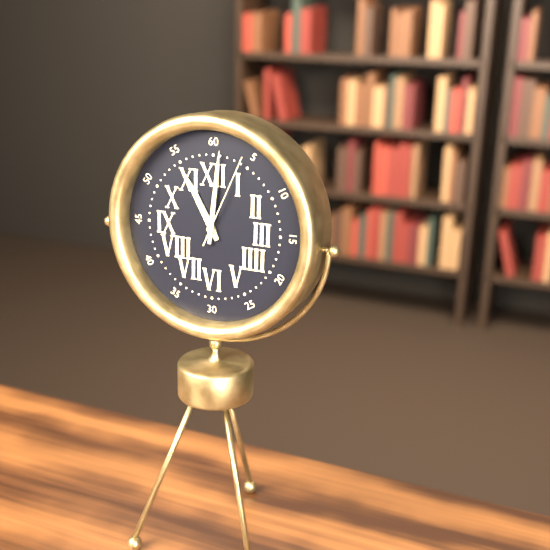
11 h 01 min 04 s
